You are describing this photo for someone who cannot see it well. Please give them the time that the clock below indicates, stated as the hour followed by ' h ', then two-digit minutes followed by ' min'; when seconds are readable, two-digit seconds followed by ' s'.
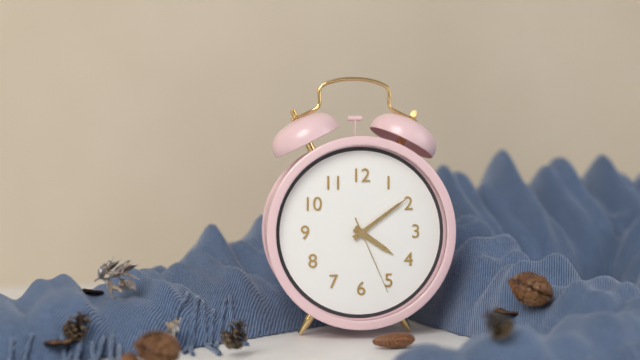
4 h 09 min 26 s
